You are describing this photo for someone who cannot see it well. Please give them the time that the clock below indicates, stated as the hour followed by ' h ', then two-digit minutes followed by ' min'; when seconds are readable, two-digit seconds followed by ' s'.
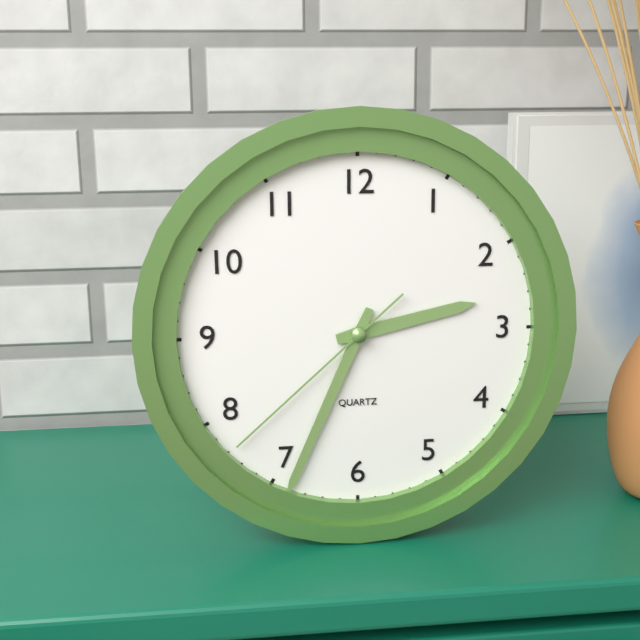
2 h 34 min 38 s
